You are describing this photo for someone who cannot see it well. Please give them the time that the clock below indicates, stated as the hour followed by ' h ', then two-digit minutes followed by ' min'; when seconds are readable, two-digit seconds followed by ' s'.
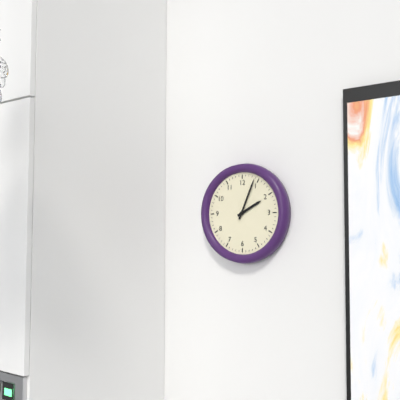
2 h 04 min
